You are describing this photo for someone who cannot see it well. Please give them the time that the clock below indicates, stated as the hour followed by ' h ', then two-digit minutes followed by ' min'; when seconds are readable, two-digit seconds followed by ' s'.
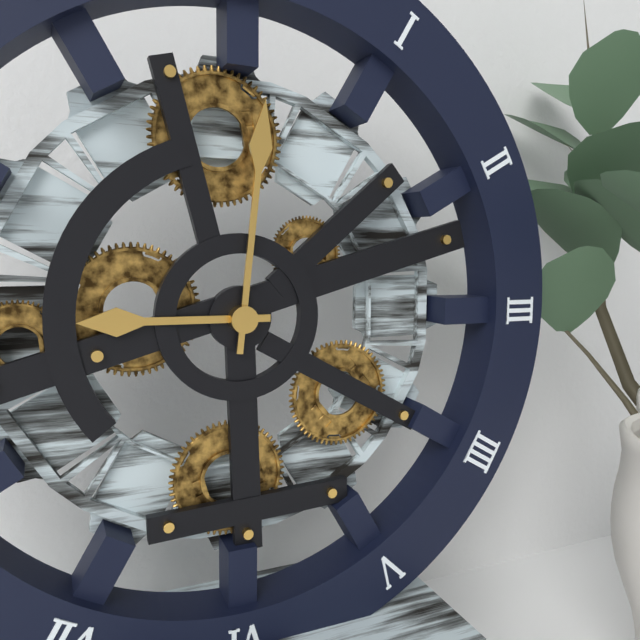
9 h 01 min
